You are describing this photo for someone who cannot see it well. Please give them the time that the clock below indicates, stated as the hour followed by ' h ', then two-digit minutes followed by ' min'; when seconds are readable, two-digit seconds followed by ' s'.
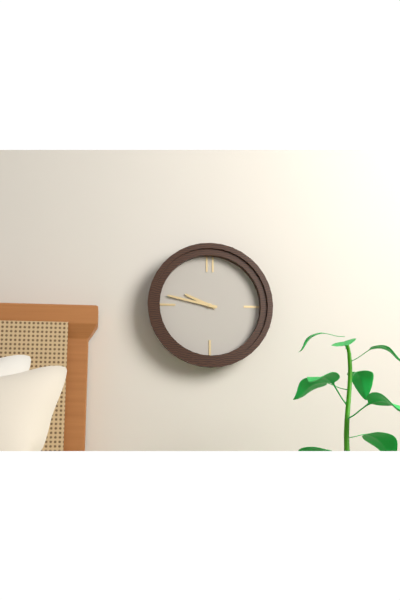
9 h 47 min
